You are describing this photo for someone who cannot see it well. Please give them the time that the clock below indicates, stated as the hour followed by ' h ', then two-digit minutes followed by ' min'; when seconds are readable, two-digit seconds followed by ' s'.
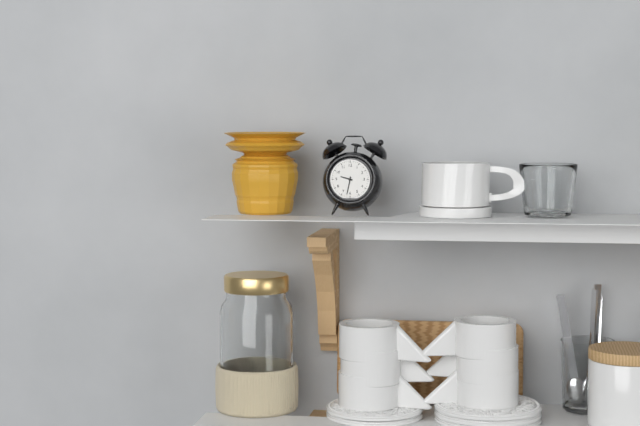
9 h 32 min
